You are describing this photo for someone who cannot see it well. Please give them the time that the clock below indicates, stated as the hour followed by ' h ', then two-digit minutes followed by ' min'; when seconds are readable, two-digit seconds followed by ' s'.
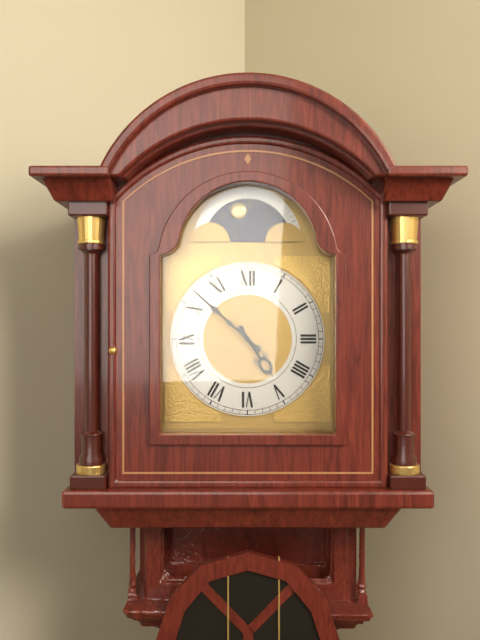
4 h 52 min
